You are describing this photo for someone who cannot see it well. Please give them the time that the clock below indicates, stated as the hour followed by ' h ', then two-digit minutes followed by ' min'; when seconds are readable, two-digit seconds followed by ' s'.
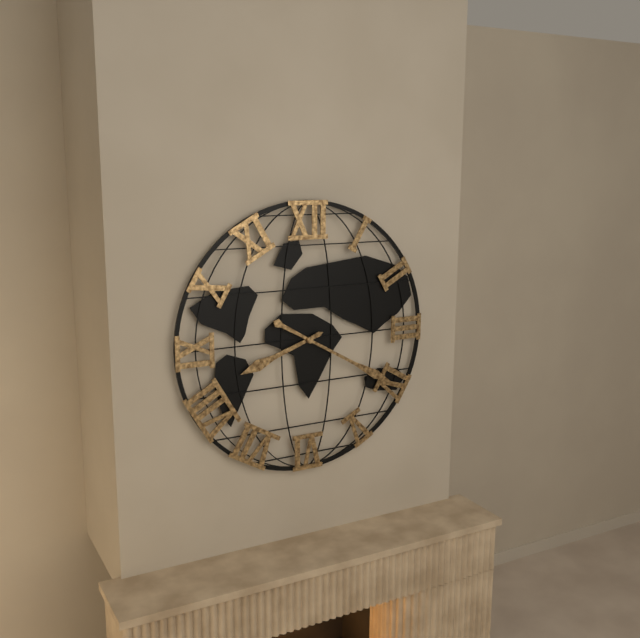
8 h 20 min
